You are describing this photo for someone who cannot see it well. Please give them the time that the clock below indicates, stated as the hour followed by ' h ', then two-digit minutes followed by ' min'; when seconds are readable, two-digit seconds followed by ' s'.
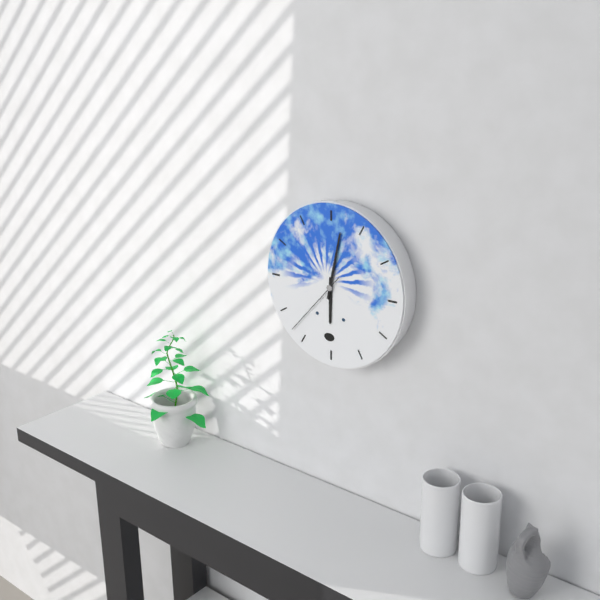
6 h 02 min 37 s
